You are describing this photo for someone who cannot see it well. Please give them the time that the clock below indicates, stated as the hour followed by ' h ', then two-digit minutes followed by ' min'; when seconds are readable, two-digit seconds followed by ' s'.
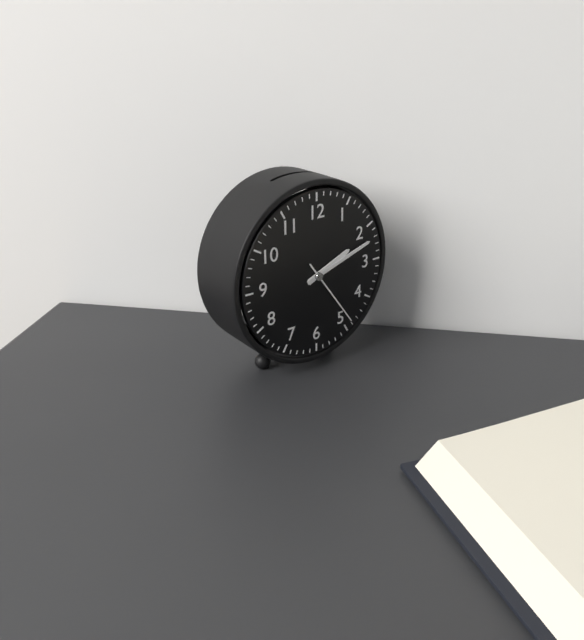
2 h 12 min 24 s
